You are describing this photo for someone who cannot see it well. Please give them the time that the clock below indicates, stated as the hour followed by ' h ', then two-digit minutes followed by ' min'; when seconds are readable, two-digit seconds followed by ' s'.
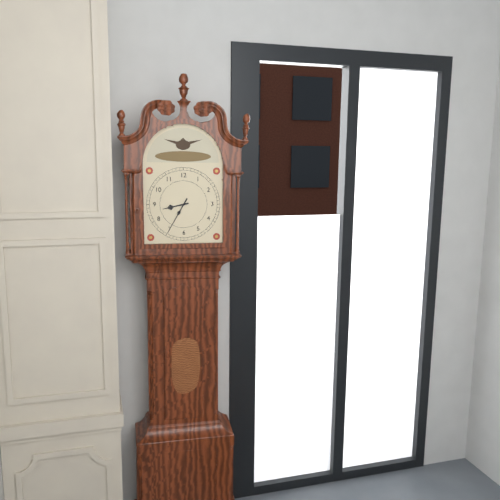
8 h 35 min
